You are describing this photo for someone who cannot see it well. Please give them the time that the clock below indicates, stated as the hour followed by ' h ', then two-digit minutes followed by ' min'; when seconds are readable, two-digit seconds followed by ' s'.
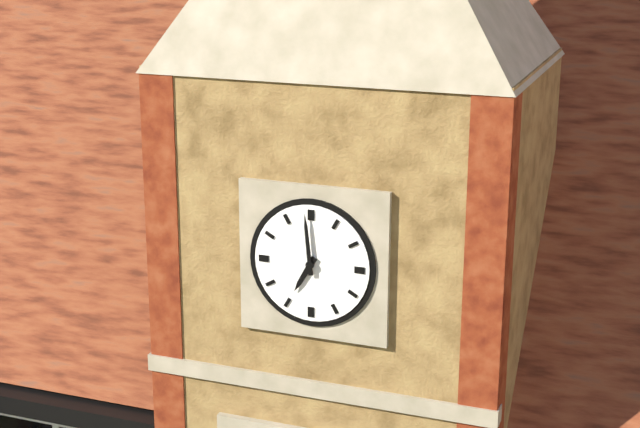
6 h 59 min
